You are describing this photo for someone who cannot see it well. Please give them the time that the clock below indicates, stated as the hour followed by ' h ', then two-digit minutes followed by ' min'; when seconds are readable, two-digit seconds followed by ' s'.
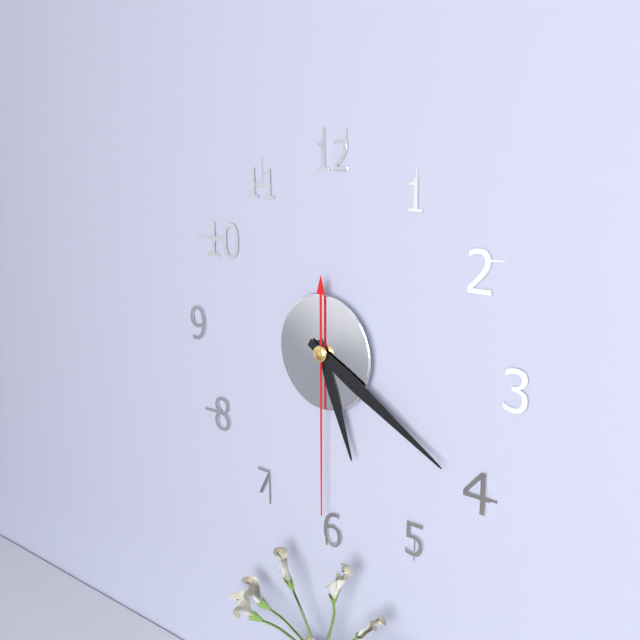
5 h 20 min 30 s
